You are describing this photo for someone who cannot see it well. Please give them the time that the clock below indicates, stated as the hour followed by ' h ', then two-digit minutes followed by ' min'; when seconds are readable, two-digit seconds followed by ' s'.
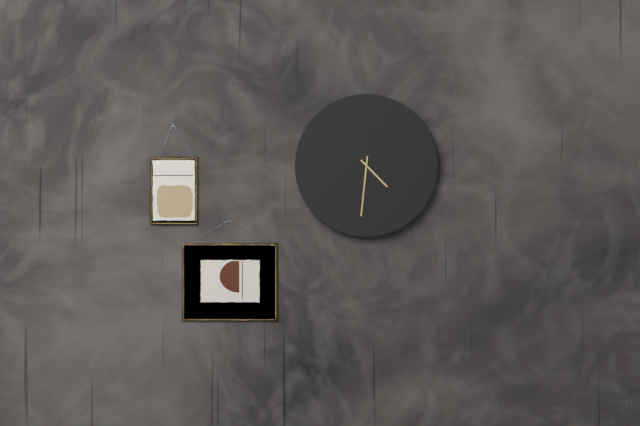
4 h 31 min
